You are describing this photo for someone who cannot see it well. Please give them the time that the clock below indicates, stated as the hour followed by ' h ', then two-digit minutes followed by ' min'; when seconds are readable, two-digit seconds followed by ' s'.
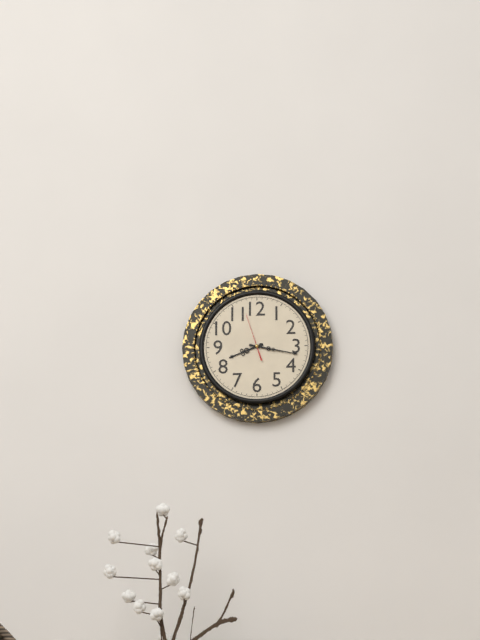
8 h 17 min
